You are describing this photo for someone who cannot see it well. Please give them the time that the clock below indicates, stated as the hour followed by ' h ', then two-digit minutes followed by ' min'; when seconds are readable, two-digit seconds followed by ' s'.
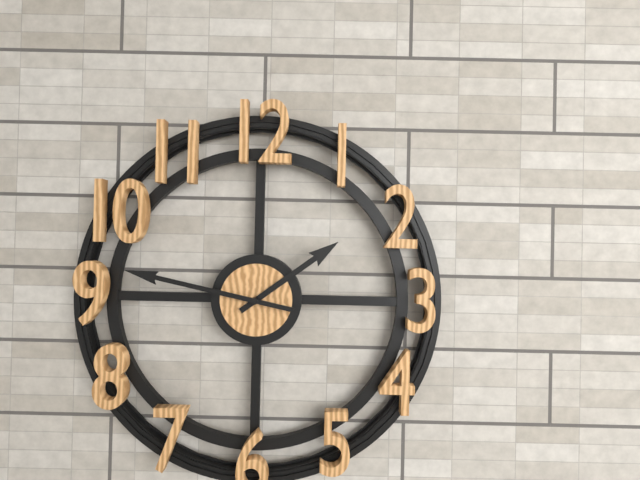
1 h 47 min
